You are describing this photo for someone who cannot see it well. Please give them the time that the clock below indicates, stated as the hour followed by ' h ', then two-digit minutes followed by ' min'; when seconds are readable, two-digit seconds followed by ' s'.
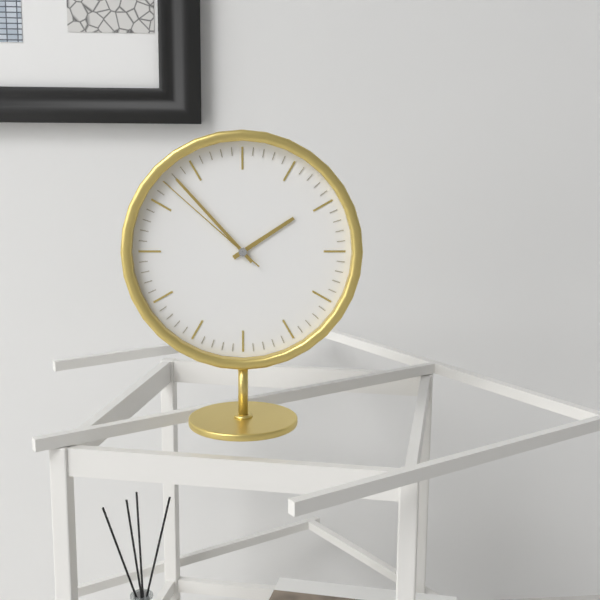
1 h 53 min 52 s
